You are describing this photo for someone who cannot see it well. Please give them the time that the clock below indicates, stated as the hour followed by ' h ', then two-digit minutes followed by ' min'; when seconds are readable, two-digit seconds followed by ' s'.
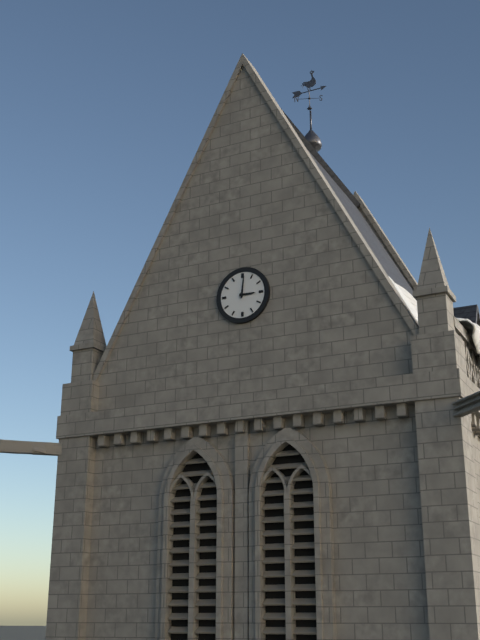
3 h 01 min
